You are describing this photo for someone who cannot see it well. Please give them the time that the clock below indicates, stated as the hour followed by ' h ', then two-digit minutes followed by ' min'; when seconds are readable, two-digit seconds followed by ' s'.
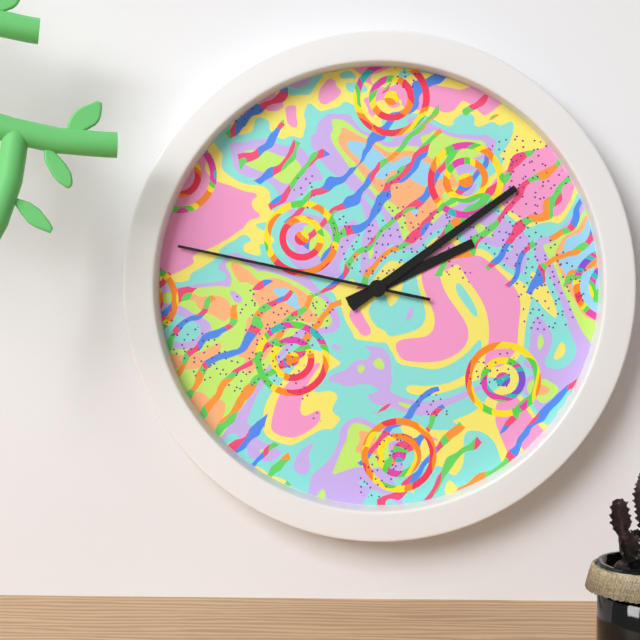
2 h 09 min 47 s
